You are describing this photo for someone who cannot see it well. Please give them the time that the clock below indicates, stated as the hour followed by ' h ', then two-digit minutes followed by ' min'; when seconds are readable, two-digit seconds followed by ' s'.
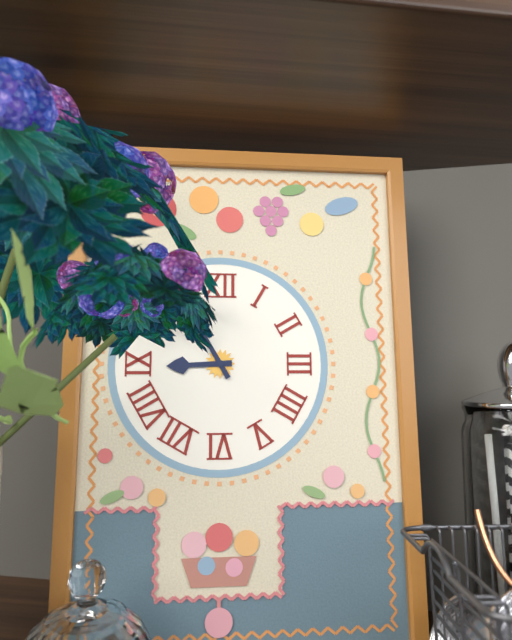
8 h 55 min
